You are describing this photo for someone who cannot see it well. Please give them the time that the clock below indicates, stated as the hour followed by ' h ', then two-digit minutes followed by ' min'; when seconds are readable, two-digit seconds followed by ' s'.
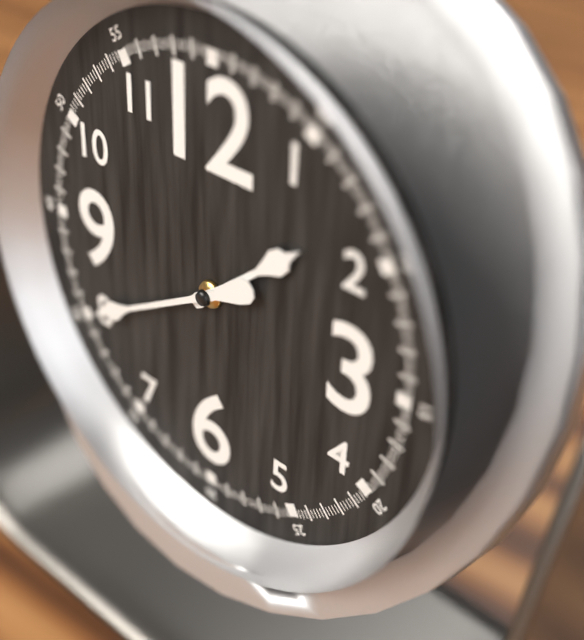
1 h 40 min
